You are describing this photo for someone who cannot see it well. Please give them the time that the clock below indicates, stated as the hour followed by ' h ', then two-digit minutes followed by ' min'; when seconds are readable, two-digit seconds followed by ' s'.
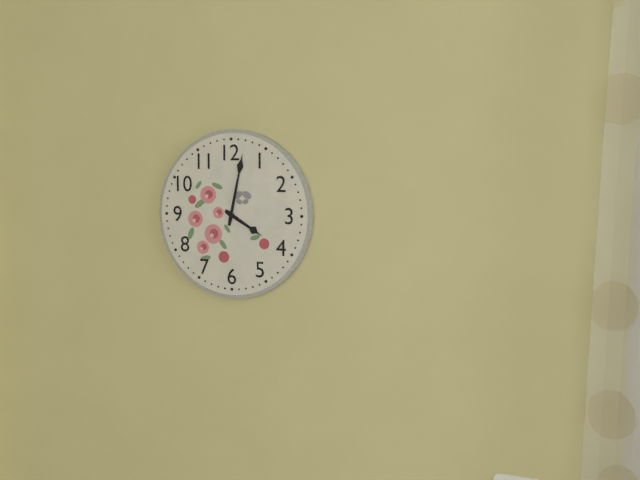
4 h 02 min
